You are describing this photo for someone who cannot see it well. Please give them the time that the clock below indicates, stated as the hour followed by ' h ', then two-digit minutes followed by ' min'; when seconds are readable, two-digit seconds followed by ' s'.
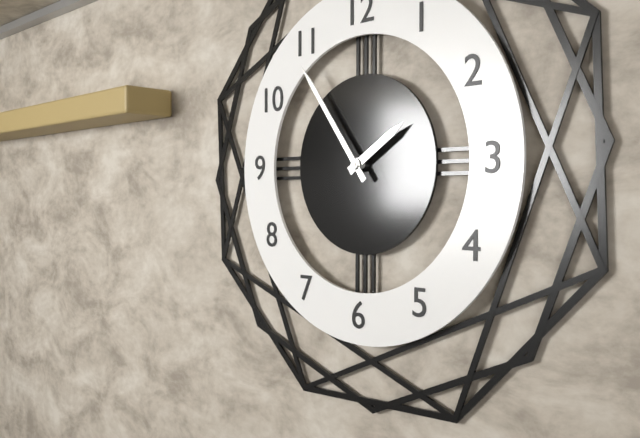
1 h 54 min
